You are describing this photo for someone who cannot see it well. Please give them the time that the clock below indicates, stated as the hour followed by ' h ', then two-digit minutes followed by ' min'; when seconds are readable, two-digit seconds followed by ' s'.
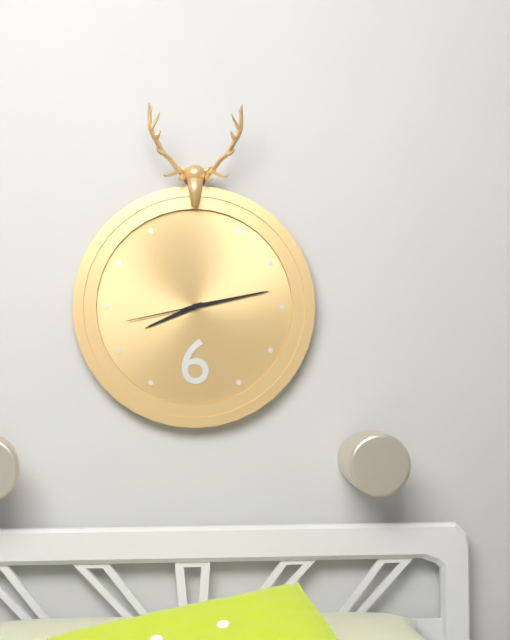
8 h 13 min 43 s
